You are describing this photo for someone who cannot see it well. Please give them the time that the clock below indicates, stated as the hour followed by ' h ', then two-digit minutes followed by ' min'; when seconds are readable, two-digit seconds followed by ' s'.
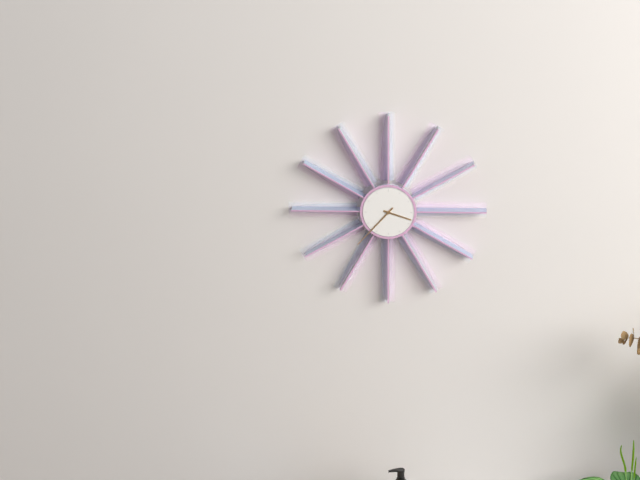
3 h 37 min
